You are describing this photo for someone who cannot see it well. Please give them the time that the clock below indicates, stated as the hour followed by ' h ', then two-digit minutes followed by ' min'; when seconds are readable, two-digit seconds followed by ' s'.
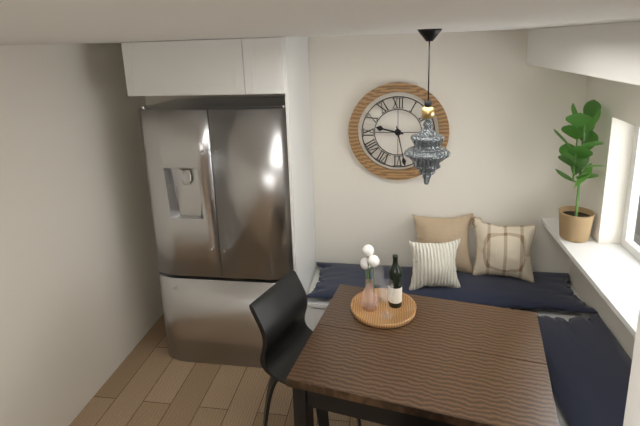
9 h 28 min
